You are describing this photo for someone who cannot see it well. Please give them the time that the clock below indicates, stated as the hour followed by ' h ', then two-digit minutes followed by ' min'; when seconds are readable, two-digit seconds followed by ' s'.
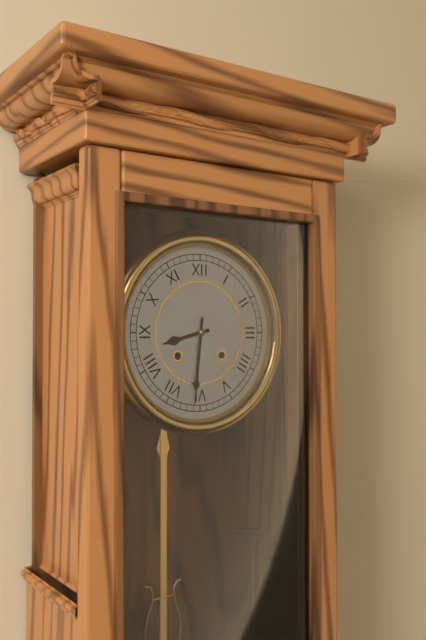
8 h 31 min
